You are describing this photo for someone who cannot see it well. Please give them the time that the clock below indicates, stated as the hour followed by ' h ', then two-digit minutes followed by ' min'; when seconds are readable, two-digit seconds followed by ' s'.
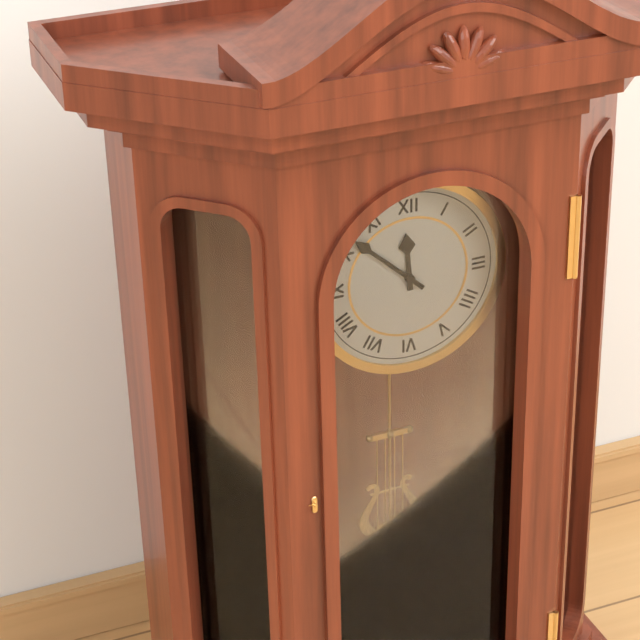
11 h 52 min
